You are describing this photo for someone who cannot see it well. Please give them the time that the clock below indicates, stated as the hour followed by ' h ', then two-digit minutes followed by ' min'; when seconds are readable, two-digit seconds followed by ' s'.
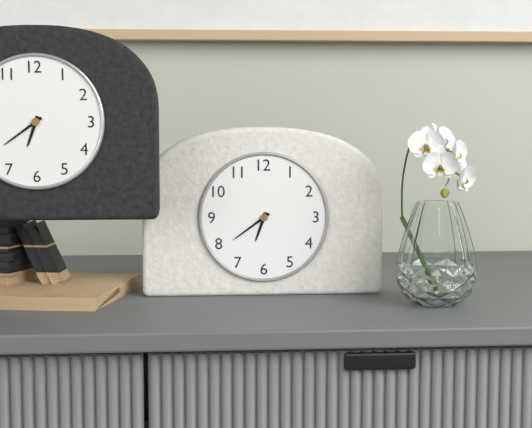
6 h 39 min
